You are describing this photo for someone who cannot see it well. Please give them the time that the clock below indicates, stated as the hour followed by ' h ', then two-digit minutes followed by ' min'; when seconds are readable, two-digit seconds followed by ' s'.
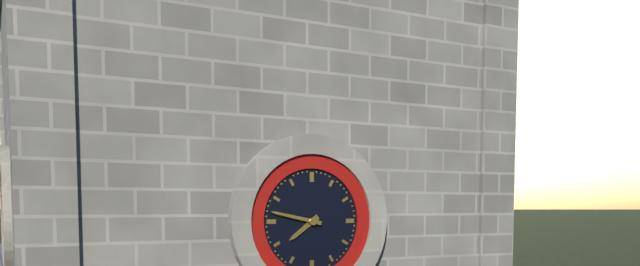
7 h 47 min
